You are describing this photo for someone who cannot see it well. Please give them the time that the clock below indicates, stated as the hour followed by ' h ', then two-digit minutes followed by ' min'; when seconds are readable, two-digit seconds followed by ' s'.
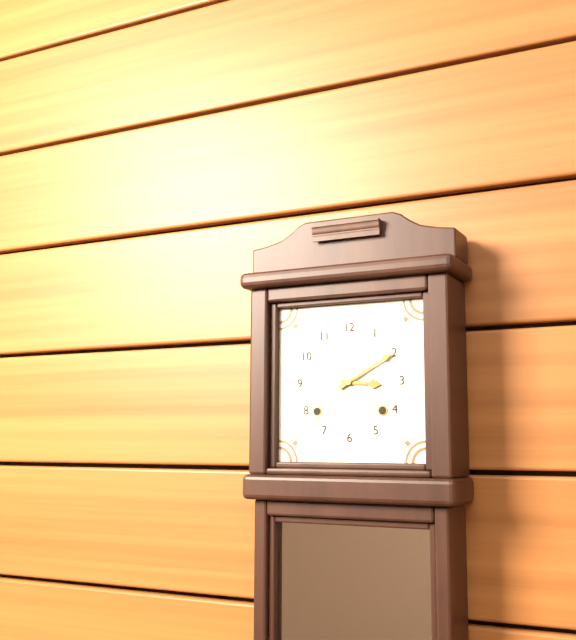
3 h 10 min
